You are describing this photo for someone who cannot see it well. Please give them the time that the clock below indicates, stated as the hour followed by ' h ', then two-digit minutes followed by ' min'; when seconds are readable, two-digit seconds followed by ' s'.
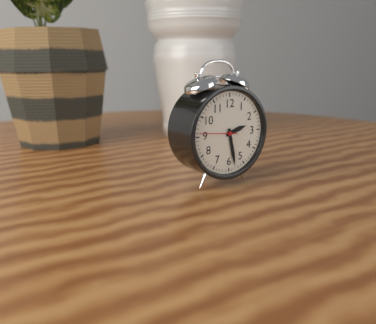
2 h 28 min
